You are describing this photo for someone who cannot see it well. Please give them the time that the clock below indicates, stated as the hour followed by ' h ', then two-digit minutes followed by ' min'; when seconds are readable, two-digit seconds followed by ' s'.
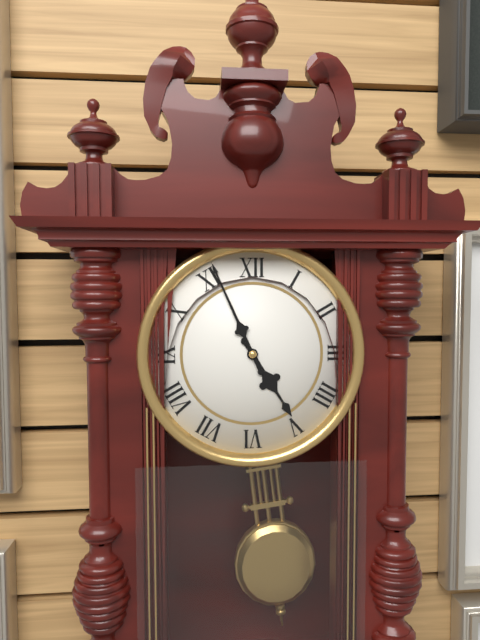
4 h 56 min
